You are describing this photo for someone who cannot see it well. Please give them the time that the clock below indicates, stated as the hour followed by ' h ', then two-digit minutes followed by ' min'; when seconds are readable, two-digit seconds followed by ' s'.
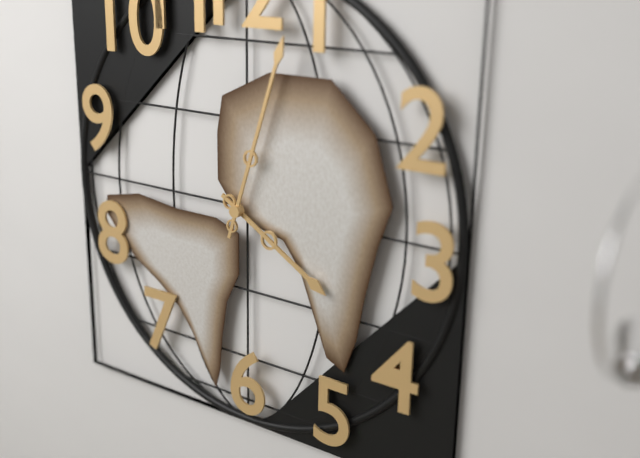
4 h 03 min
